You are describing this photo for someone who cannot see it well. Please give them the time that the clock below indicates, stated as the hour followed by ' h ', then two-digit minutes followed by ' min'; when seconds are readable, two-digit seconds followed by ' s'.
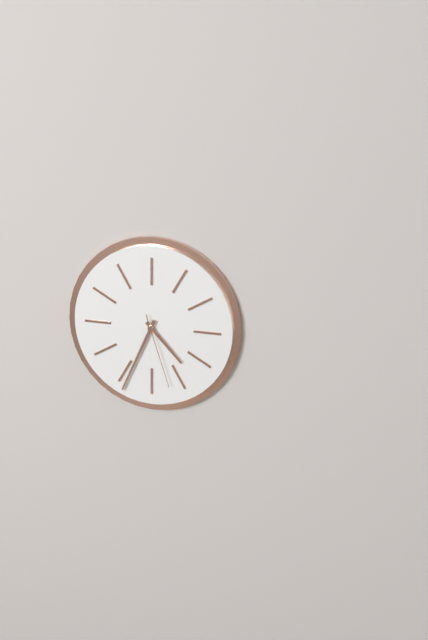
4 h 34 min 27 s
